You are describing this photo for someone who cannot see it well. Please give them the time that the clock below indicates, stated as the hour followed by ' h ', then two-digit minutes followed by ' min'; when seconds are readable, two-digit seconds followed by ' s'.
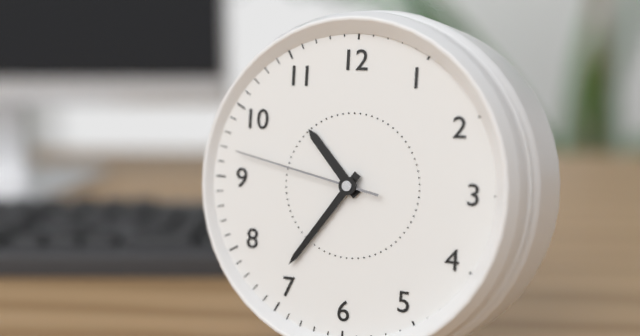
10 h 36 min 47 s
